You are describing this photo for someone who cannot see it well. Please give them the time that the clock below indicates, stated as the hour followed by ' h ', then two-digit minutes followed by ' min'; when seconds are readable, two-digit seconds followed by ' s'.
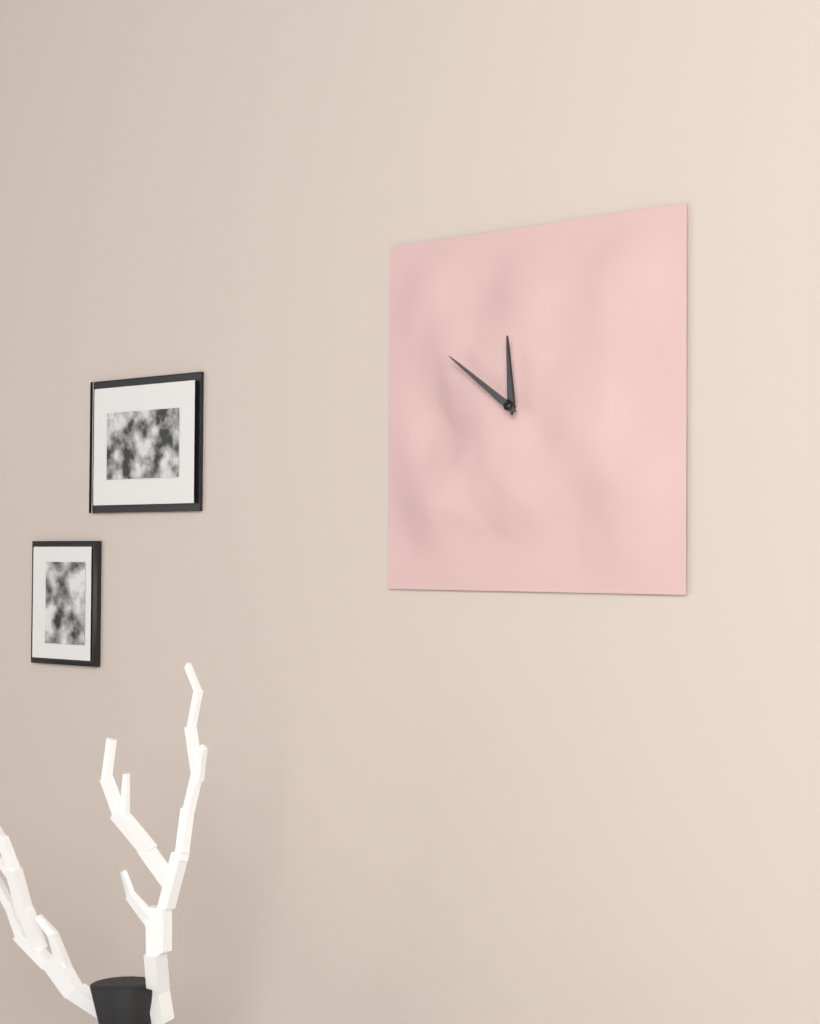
11 h 51 min
